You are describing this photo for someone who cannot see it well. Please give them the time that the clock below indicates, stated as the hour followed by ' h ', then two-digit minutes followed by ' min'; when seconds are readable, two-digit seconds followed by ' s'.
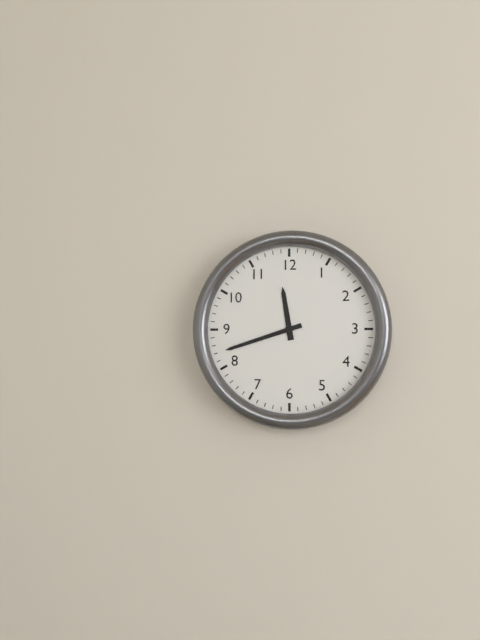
11 h 42 min
